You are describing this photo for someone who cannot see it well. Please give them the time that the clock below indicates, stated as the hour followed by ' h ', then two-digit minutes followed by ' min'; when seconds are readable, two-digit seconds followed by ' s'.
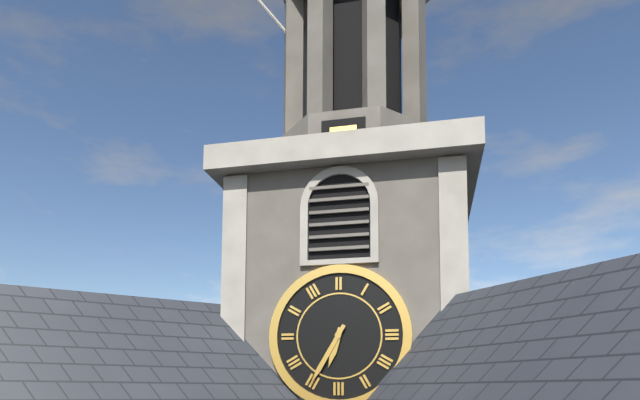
6 h 35 min
